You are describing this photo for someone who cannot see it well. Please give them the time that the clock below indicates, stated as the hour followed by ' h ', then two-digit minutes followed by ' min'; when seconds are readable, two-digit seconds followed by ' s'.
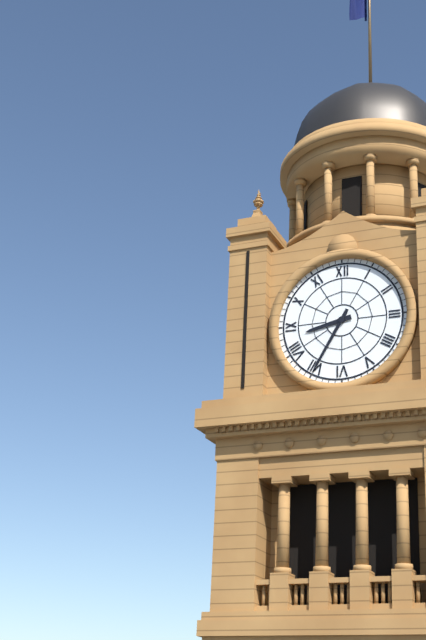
8 h 35 min
